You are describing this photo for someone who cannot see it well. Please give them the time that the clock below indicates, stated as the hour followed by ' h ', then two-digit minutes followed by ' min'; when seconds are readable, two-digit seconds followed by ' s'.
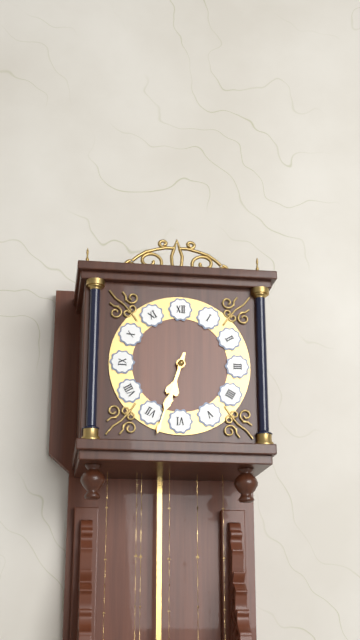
6 h 33 min
